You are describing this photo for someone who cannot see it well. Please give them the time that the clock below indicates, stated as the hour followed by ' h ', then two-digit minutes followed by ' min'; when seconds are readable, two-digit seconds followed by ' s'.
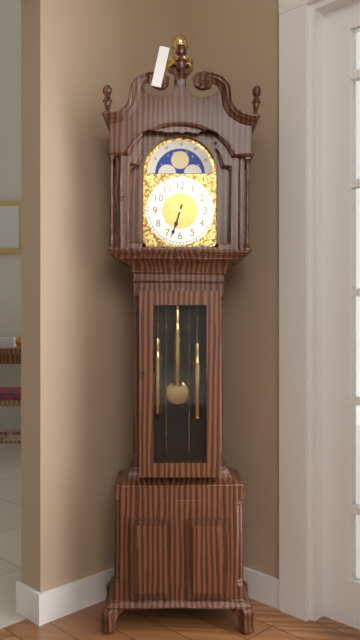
6 h 33 min
